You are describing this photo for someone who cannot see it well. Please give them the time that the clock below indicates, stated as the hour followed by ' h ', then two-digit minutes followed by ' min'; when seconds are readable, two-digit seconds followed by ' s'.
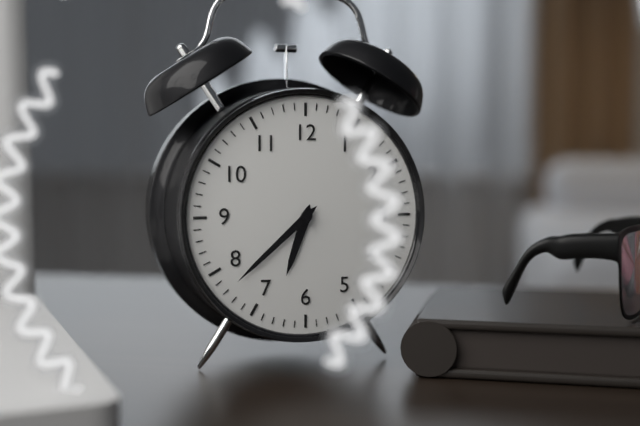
6 h 38 min
